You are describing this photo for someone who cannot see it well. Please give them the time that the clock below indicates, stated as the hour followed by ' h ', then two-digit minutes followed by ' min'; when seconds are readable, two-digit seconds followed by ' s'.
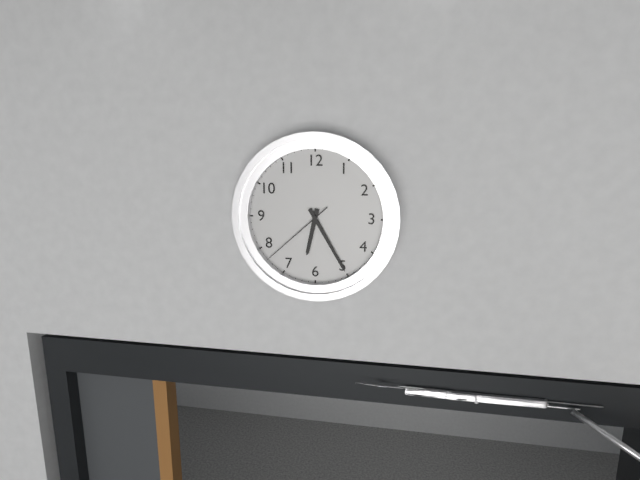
6 h 25 min 38 s
